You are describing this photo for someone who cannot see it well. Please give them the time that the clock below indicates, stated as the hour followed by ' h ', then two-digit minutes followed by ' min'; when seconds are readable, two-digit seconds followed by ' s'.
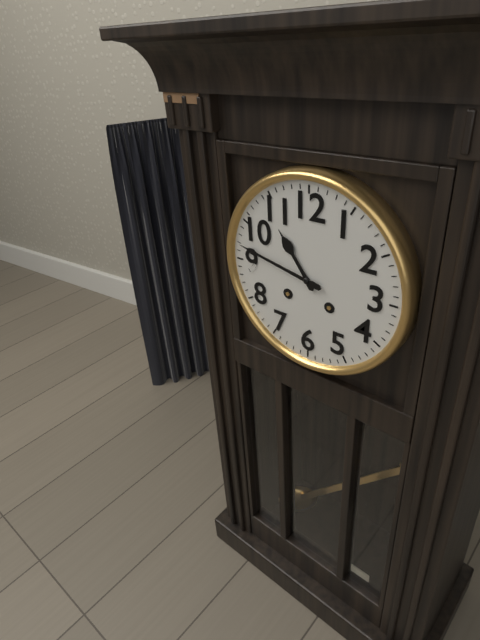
10 h 47 min
